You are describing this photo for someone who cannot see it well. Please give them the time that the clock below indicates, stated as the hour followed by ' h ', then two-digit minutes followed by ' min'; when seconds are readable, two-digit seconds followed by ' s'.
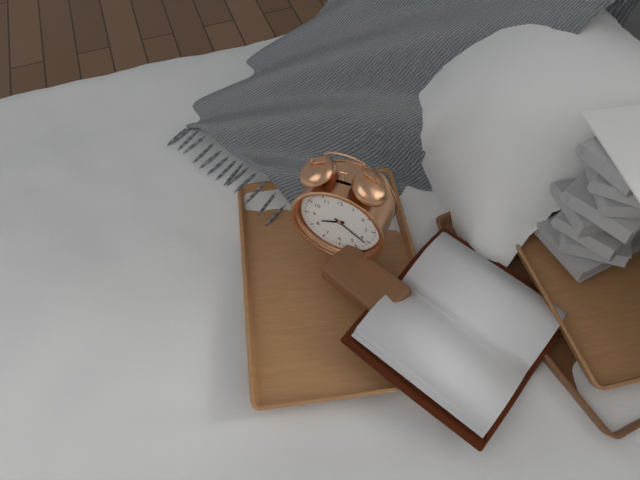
8 h 21 min
